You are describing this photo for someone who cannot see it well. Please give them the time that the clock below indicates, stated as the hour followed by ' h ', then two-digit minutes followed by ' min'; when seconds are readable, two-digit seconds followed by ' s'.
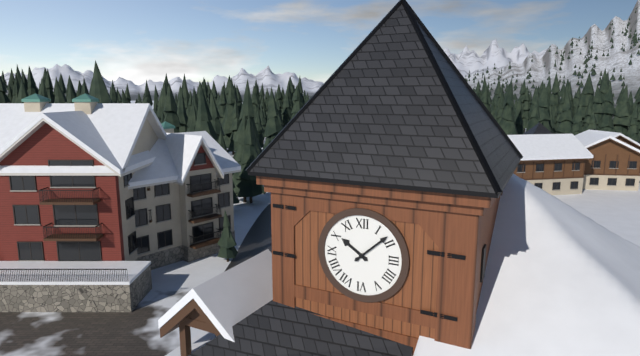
10 h 08 min
